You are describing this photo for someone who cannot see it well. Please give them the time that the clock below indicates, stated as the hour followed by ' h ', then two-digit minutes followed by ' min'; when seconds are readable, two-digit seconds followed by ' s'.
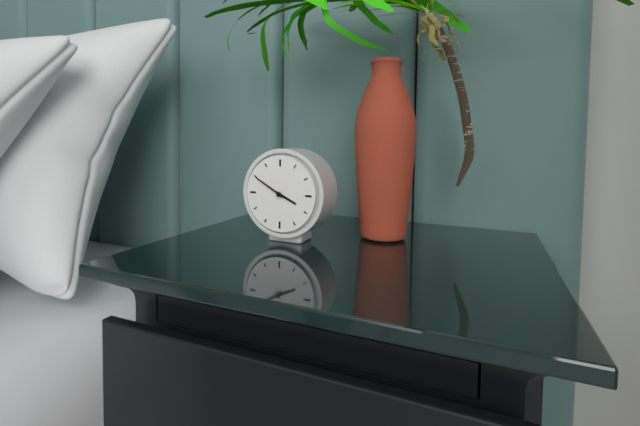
3 h 50 min
